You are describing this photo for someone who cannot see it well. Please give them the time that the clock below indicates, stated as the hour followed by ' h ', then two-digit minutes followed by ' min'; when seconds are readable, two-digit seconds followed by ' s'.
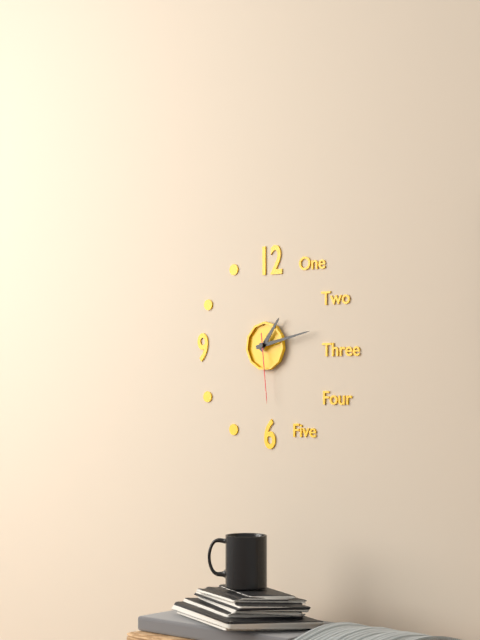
1 h 13 min 29 s
